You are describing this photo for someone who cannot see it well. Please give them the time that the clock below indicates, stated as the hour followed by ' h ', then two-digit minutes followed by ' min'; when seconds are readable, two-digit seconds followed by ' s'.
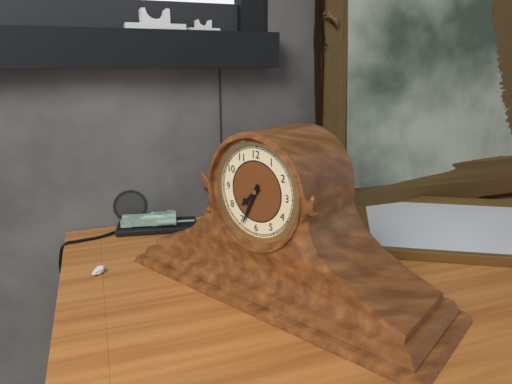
7 h 34 min
